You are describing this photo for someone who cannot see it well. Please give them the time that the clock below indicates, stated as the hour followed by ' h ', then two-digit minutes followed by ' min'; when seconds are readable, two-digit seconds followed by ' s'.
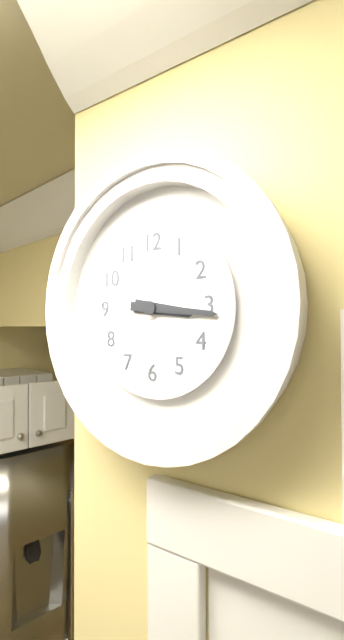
3 h 16 min
